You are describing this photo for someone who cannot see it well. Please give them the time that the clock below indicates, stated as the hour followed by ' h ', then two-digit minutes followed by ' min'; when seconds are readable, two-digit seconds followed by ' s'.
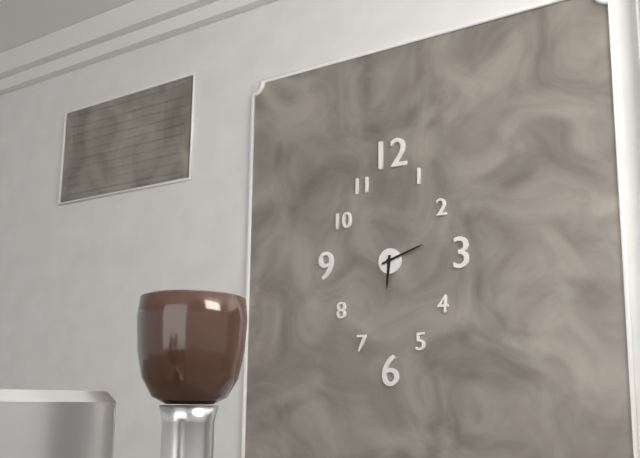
6 h 12 min
